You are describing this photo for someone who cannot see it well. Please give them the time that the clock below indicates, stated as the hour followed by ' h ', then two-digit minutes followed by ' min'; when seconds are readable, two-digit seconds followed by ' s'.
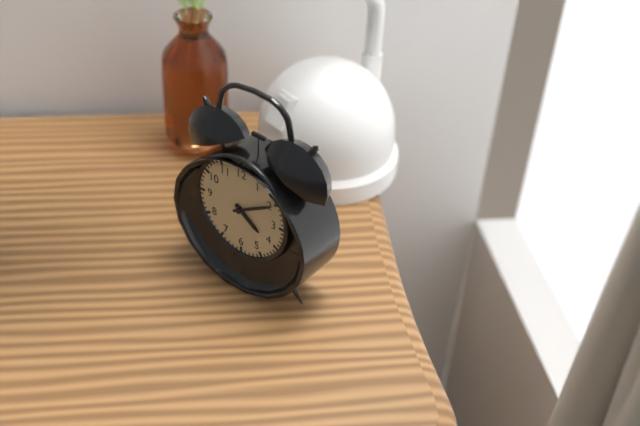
4 h 10 min
